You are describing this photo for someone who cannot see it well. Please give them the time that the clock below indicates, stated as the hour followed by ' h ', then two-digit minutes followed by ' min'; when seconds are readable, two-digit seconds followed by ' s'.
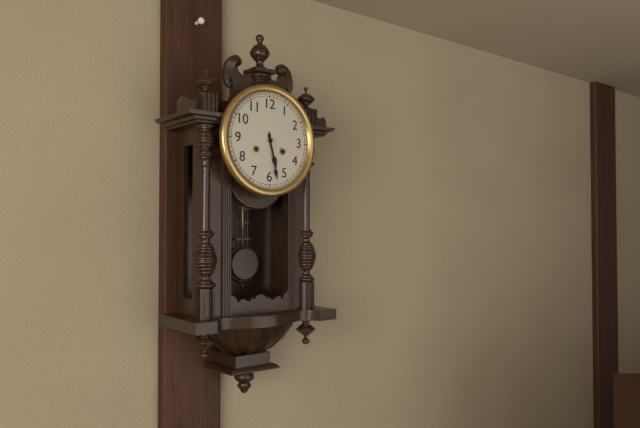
5 h 28 min
